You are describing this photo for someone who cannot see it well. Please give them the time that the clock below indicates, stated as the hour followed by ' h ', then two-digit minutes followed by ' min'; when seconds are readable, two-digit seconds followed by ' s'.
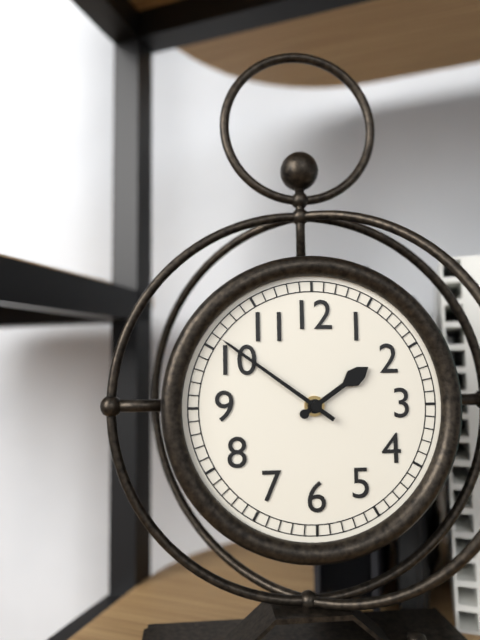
1 h 51 min
